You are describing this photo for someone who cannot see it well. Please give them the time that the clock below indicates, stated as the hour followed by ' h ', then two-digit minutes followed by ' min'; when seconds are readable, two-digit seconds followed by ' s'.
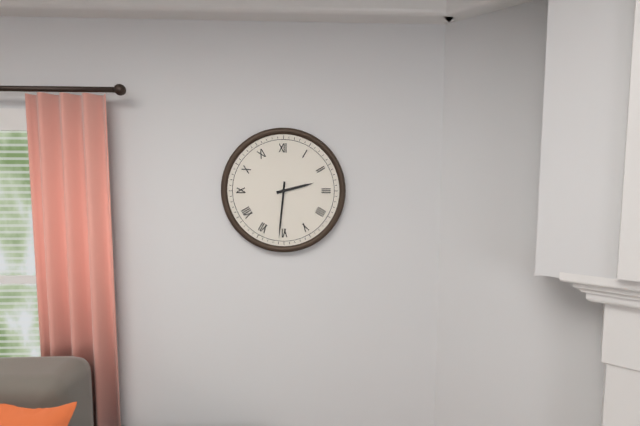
2 h 31 min
